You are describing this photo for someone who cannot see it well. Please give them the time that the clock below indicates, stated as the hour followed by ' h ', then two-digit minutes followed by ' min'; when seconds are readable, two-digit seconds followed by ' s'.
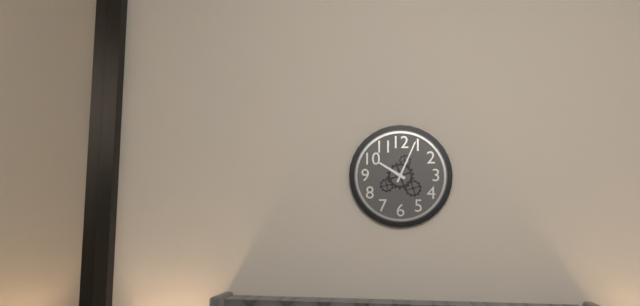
10 h 04 min
